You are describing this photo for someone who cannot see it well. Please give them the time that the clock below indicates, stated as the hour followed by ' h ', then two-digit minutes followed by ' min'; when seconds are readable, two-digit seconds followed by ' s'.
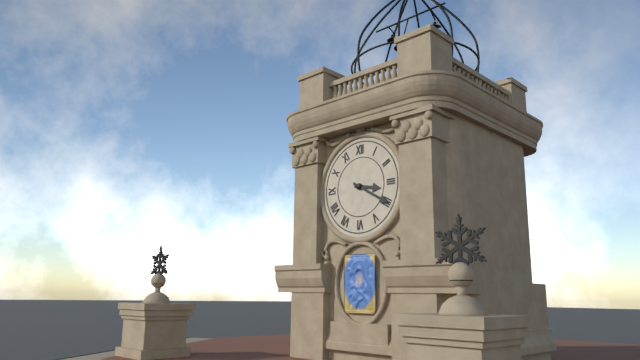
3 h 20 min
